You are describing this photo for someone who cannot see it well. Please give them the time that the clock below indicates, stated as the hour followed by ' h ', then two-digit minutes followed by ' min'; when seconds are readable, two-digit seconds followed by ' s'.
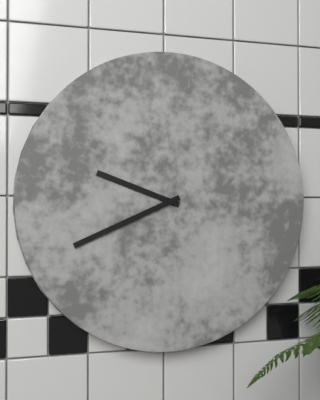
9 h 41 min
